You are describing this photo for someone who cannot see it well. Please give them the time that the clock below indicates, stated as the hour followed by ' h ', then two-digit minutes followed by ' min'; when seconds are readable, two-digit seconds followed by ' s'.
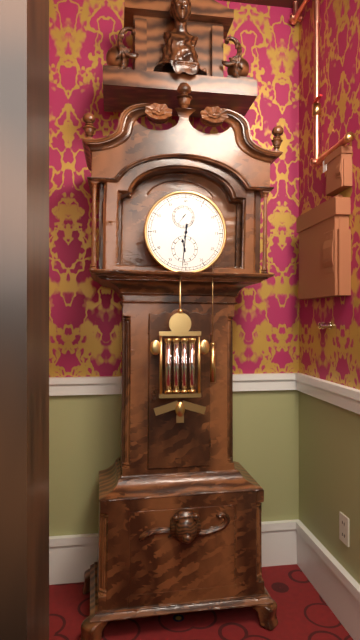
11 h 31 min
